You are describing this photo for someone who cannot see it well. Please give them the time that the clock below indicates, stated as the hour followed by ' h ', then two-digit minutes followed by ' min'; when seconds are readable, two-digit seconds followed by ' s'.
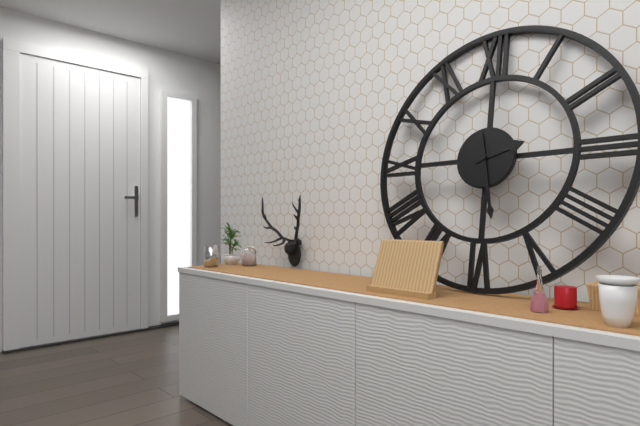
2 h 28 min
